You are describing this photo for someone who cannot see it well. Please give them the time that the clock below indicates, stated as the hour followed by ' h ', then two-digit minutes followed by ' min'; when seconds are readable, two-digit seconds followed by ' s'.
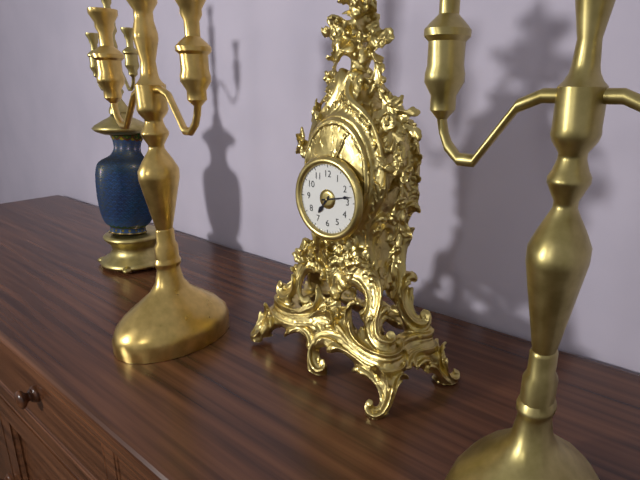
7 h 13 min
